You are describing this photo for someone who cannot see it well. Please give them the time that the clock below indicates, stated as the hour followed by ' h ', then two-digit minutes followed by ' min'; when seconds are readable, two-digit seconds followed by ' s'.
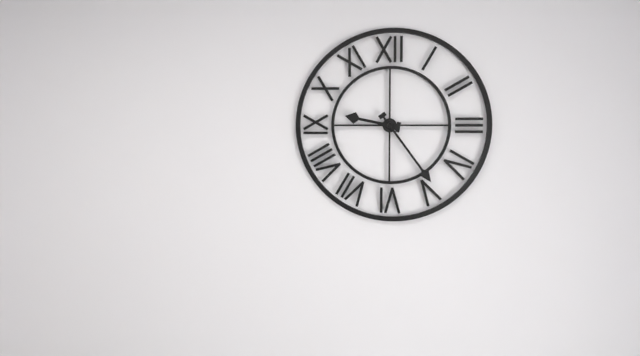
9 h 24 min
